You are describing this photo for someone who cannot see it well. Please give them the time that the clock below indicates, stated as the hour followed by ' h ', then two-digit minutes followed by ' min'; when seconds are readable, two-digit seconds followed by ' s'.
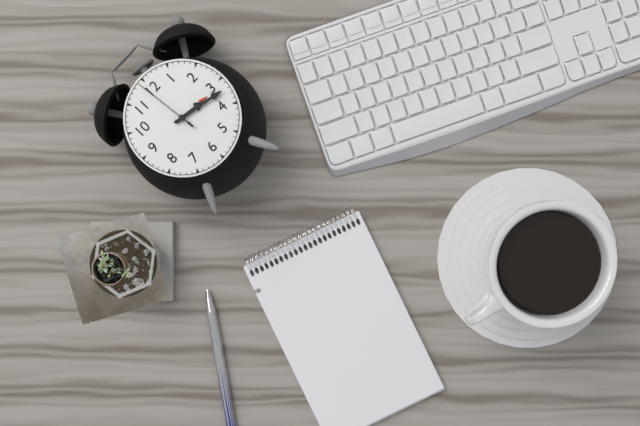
3 h 17 min 59 s
